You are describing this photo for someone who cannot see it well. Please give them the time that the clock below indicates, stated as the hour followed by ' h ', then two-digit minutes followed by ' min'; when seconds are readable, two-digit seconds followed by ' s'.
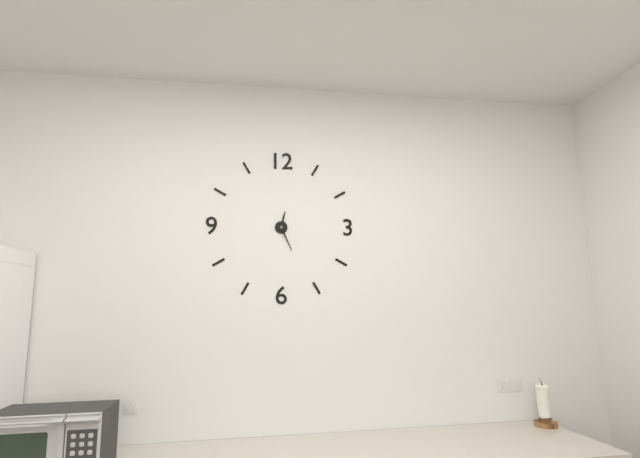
12 h 26 min
